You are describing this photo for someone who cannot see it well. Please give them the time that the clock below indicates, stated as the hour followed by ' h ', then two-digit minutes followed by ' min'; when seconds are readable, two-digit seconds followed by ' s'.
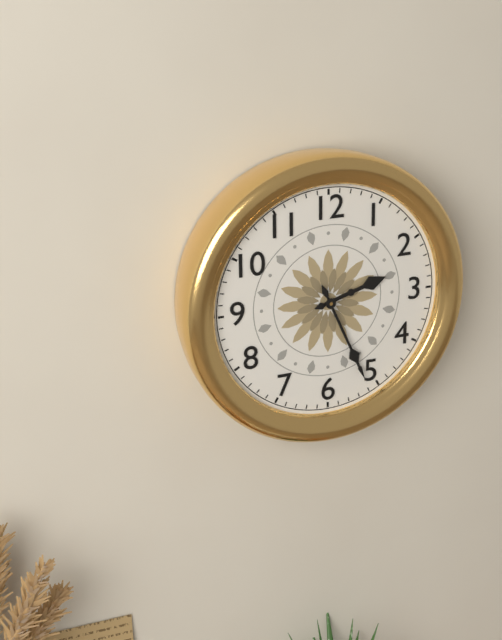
2 h 26 min
